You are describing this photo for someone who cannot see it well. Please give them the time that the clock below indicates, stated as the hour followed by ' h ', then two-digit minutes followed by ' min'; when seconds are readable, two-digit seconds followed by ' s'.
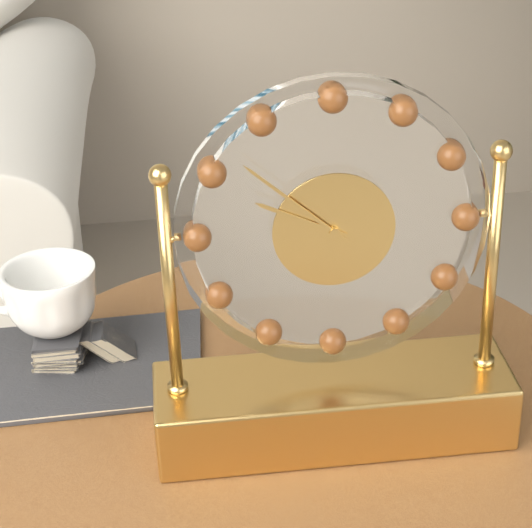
9 h 52 min
